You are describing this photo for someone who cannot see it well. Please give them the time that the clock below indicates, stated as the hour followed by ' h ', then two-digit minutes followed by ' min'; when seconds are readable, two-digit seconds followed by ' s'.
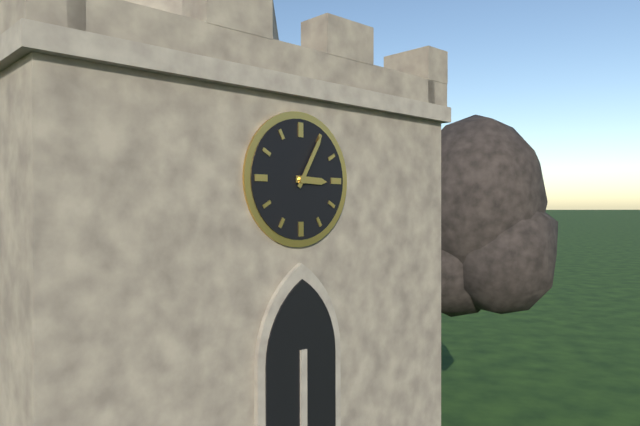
3 h 05 min
